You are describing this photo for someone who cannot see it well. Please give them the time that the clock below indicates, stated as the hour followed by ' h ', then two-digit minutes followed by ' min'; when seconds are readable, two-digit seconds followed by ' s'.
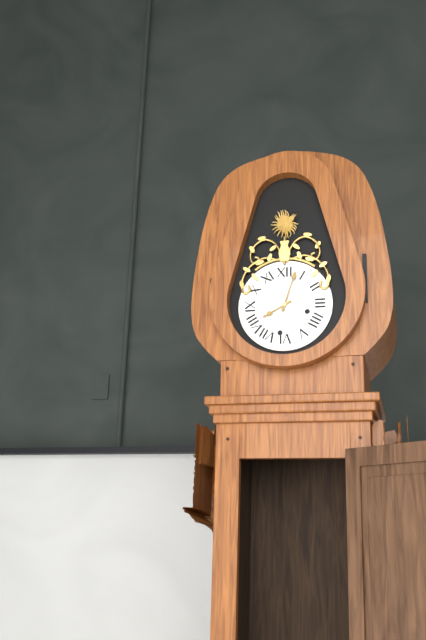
8 h 03 min
